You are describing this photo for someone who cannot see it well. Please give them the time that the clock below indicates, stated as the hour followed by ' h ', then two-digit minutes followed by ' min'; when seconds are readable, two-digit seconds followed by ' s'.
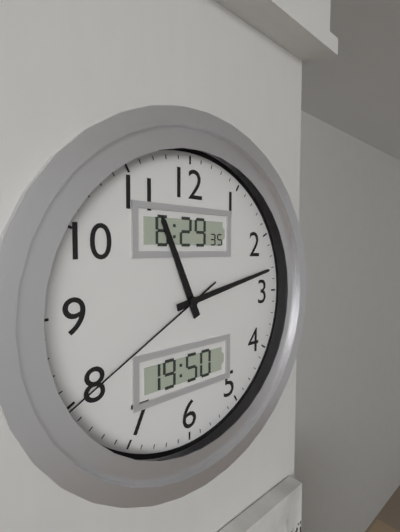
11 h 13 min 40 s
